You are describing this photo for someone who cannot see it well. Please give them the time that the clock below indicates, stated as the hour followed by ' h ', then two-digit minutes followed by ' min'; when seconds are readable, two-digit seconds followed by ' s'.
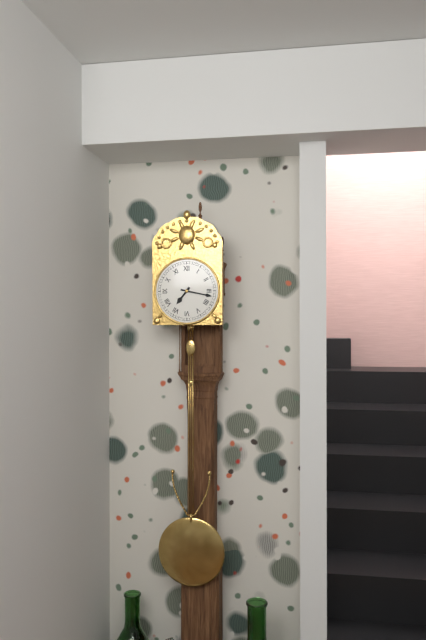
7 h 17 min
